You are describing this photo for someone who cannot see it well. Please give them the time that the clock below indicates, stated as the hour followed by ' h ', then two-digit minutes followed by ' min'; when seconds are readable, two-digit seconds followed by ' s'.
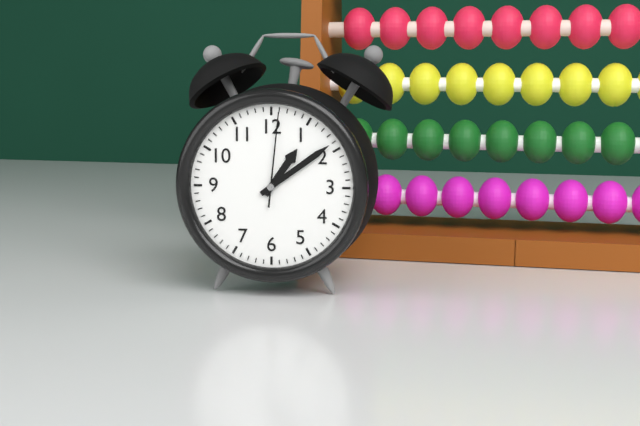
1 h 09 min 01 s
